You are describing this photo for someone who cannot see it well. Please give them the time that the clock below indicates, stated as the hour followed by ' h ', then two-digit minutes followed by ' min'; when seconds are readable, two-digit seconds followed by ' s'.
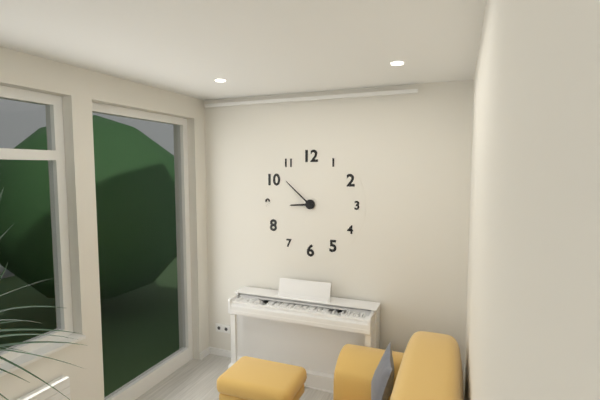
8 h 52 min
